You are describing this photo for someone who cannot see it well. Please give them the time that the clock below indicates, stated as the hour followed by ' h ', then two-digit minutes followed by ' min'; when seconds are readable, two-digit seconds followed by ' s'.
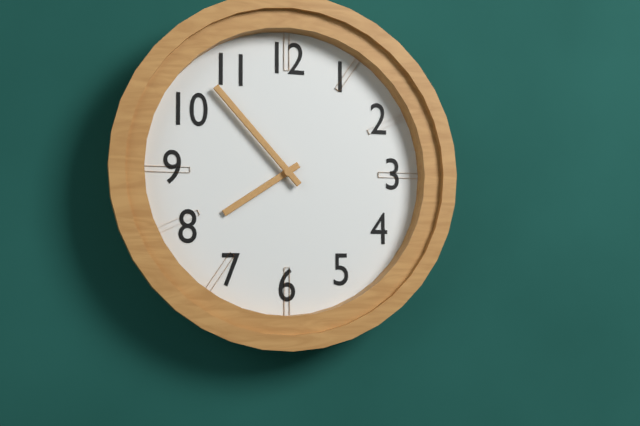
7 h 53 min
